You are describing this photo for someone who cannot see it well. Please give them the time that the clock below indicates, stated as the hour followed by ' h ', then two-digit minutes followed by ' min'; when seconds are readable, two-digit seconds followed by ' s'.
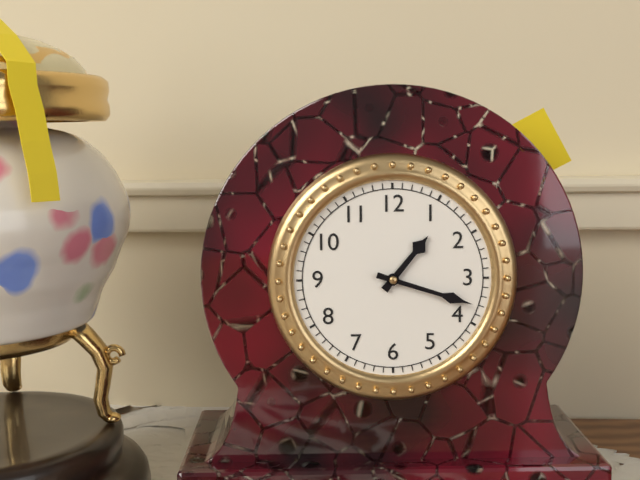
1 h 18 min
